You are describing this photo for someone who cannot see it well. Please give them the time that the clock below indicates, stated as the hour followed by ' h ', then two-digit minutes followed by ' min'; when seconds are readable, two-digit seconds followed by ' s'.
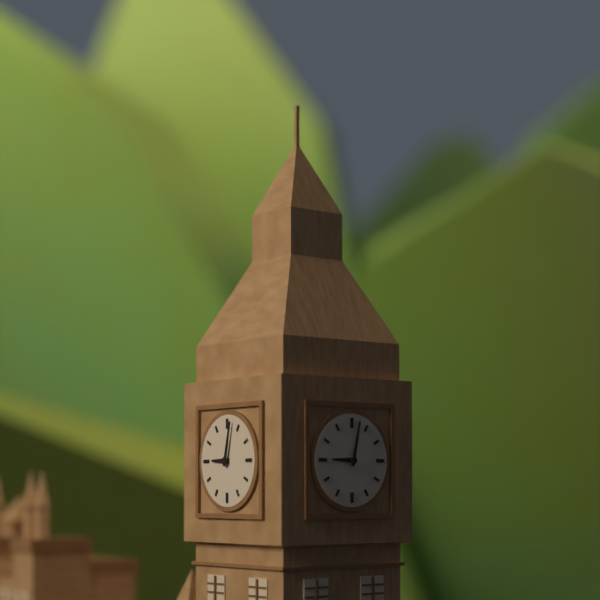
9 h 02 min
